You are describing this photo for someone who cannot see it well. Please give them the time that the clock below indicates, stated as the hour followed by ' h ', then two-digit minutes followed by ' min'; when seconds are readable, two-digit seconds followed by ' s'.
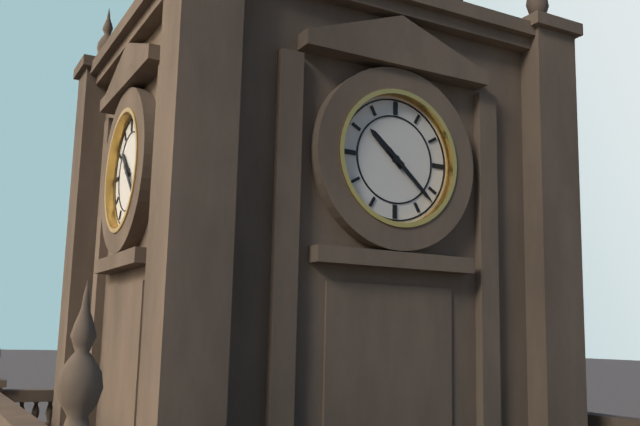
10 h 22 min
